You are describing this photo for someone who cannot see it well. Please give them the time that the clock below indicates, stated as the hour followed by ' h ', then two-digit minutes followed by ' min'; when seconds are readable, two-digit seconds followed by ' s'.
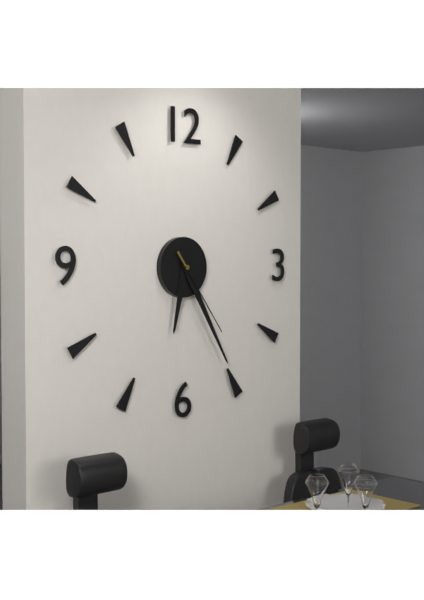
6 h 25 min 24 s
